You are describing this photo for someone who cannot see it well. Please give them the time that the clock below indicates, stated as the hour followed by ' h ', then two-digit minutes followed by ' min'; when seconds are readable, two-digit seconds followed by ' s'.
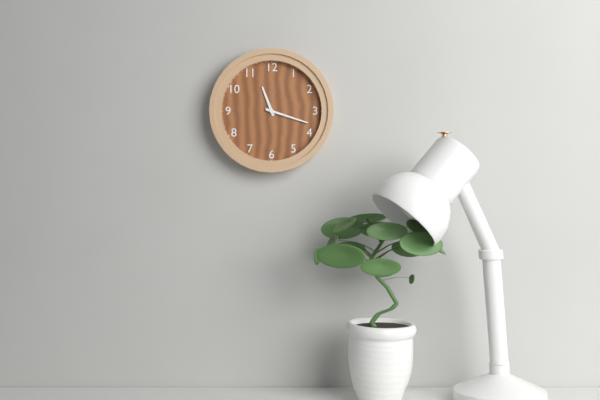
11 h 18 min
